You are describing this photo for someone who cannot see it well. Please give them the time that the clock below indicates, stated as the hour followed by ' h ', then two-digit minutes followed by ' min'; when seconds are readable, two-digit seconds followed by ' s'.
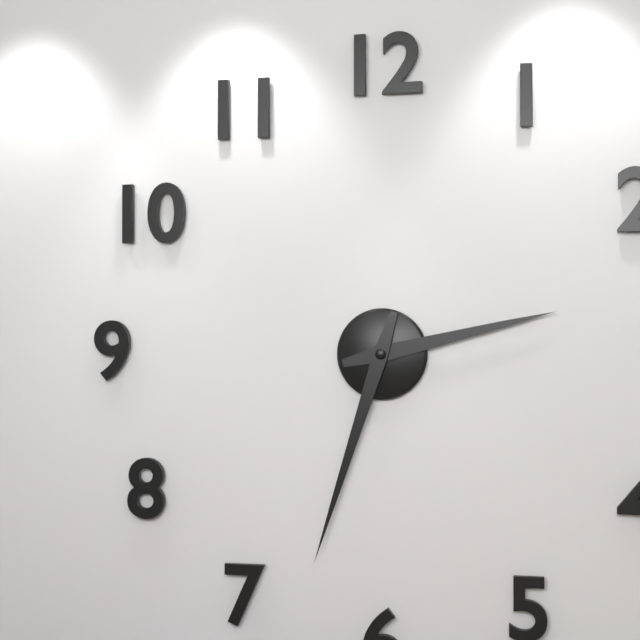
2 h 33 min
